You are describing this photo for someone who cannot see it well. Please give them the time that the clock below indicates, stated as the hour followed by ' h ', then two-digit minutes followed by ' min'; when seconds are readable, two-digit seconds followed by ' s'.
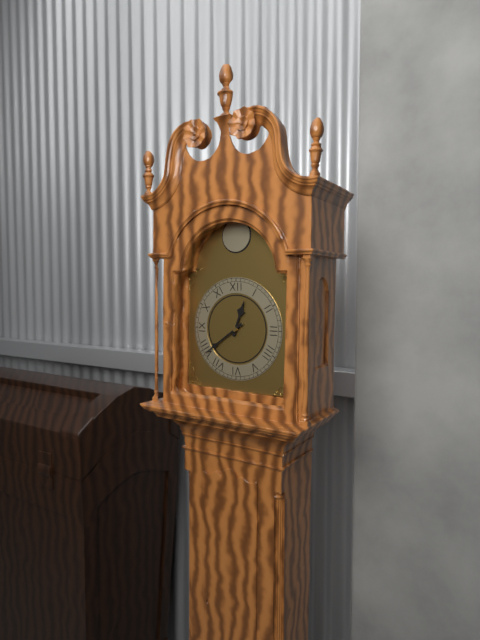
12 h 39 min
